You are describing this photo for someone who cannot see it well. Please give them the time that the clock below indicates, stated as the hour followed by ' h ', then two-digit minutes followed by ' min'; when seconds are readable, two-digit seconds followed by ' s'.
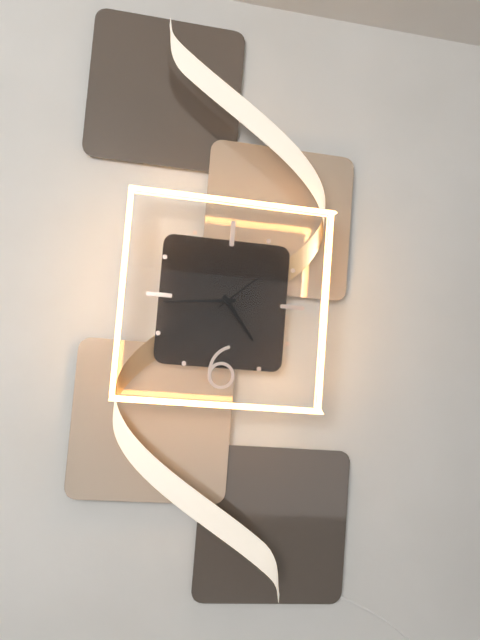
4 h 44 min 08 s
